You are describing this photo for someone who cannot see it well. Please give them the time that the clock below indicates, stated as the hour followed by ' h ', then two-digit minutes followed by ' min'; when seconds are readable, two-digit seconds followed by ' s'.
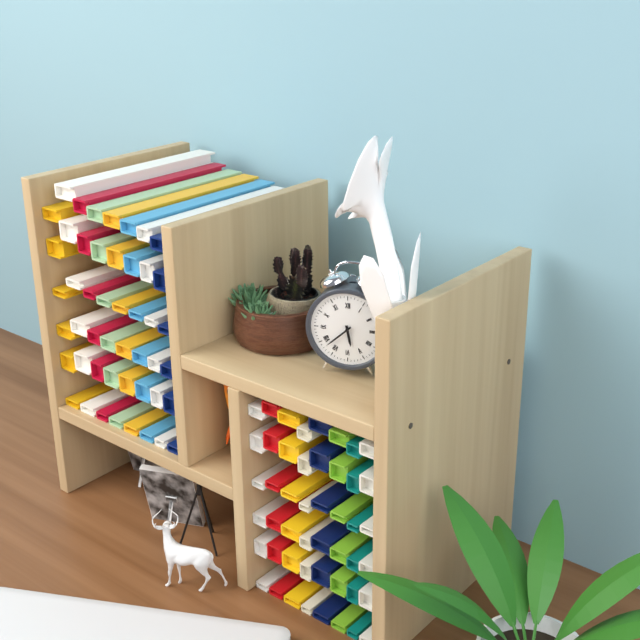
5 h 38 min
